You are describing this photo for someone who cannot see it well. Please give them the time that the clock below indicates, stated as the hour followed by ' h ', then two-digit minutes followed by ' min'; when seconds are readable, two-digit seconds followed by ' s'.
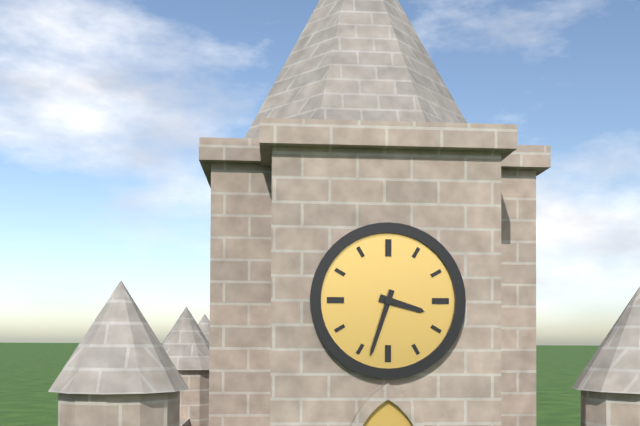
3 h 33 min
